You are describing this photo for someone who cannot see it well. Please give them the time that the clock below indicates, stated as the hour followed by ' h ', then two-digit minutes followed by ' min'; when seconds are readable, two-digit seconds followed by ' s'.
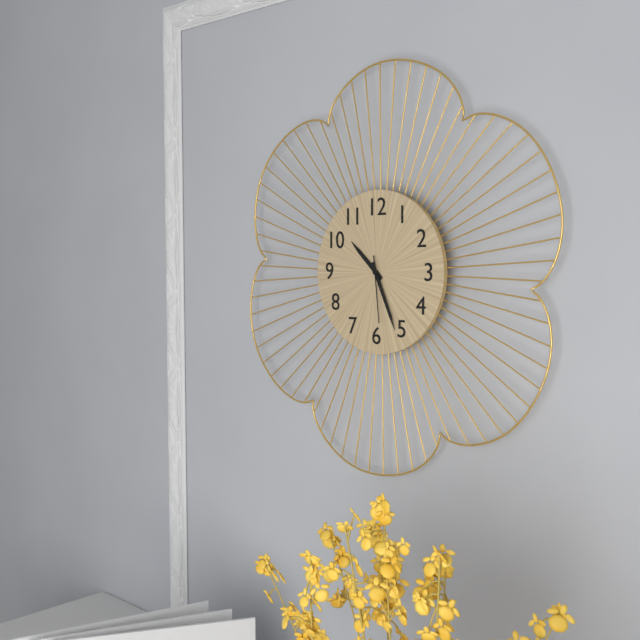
10 h 26 min 29 s
